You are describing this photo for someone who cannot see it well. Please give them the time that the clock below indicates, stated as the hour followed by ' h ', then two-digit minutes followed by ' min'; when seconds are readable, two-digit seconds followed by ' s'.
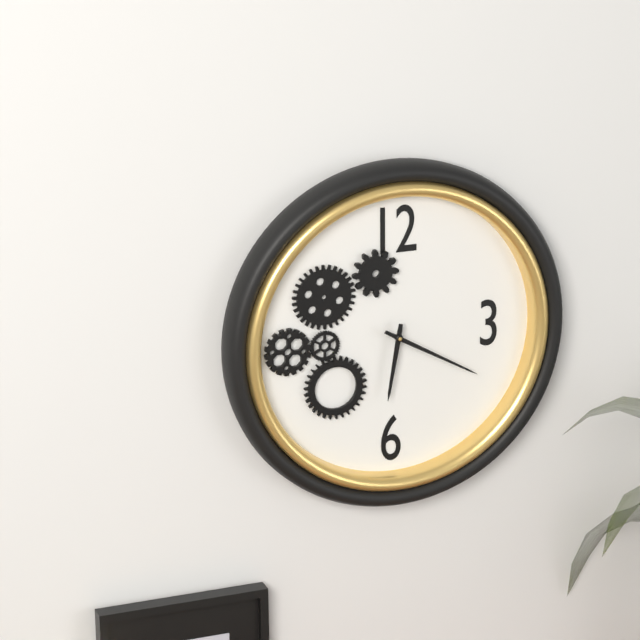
6 h 20 min
